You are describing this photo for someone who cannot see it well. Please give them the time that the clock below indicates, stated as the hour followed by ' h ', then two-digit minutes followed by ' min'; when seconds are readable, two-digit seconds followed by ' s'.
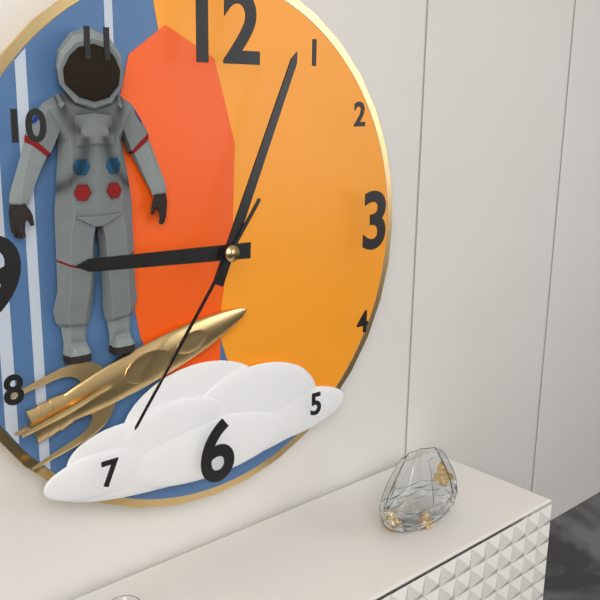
9 h 04 min 36 s
